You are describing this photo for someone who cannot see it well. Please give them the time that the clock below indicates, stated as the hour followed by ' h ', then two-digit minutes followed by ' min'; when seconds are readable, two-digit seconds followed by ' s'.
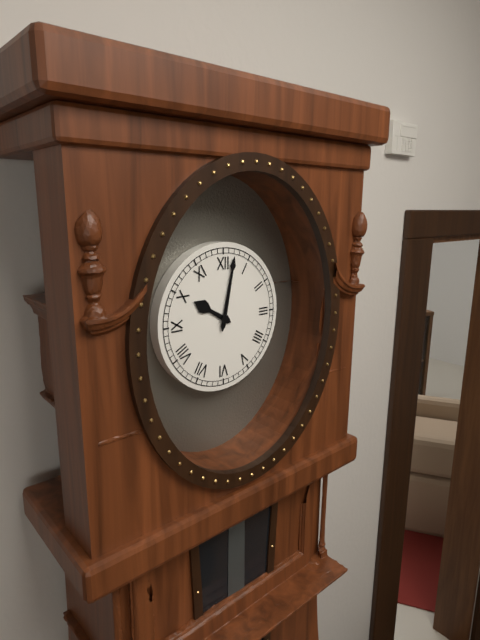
10 h 02 min
